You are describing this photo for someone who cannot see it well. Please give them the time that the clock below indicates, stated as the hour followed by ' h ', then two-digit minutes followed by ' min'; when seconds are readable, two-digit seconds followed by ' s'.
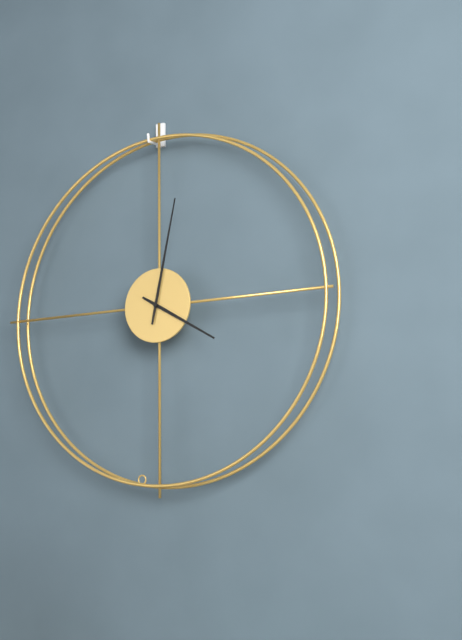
4 h 02 min
